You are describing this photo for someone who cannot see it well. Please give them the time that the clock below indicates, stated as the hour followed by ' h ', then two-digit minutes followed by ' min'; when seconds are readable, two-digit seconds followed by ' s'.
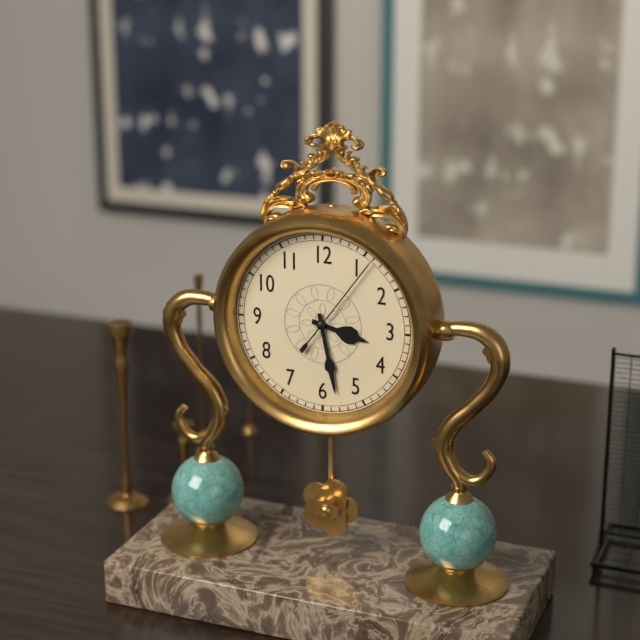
3 h 28 min 06 s
